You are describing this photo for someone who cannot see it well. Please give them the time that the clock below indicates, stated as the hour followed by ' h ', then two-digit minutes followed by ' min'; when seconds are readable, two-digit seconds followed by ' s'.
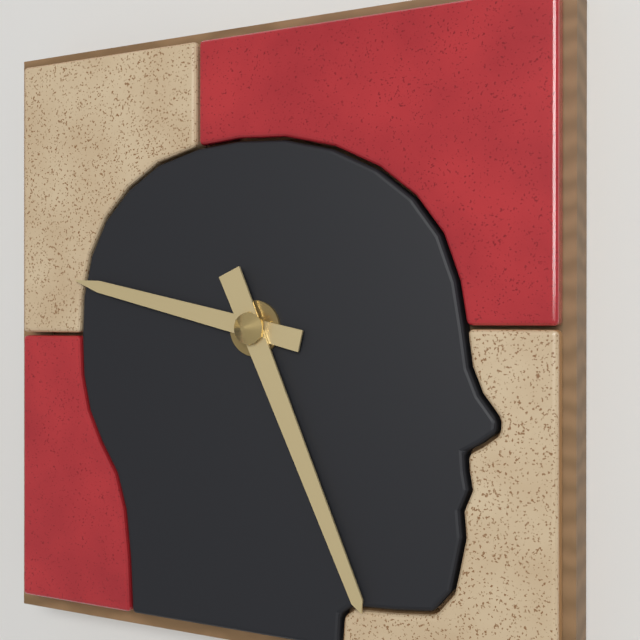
9 h 26 min
